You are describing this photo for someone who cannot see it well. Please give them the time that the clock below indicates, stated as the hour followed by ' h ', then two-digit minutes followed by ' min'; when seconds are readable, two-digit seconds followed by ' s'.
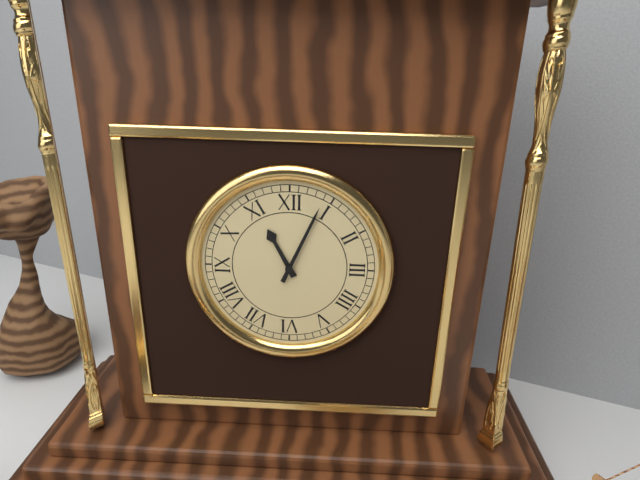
11 h 04 min
